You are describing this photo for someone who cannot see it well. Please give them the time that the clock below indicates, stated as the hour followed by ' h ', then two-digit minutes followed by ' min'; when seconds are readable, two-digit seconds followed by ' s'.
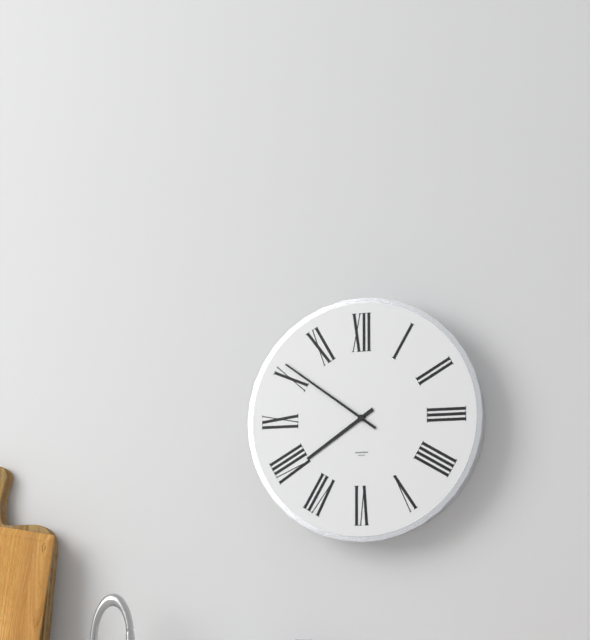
7 h 51 min
